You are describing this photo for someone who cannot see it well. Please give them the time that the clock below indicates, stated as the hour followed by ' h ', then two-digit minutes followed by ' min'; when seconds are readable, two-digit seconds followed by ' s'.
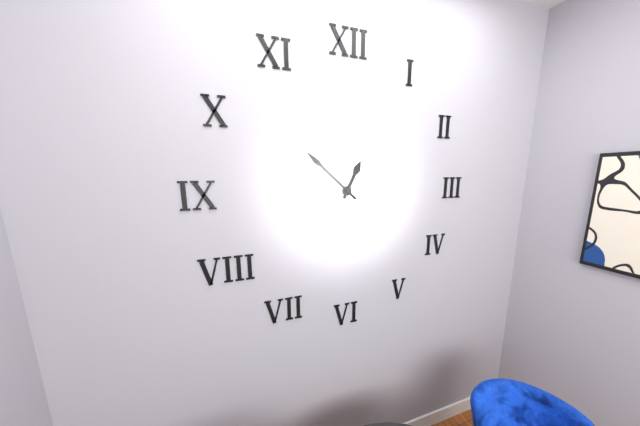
12 h 52 min
